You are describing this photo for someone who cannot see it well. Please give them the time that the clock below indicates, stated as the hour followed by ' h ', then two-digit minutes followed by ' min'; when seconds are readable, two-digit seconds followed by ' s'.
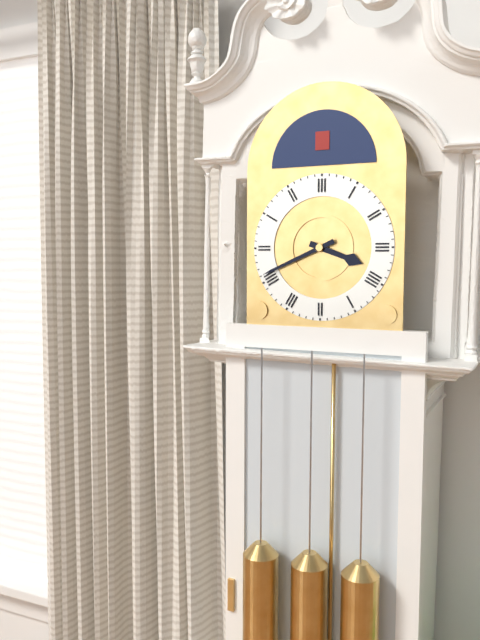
3 h 41 min
